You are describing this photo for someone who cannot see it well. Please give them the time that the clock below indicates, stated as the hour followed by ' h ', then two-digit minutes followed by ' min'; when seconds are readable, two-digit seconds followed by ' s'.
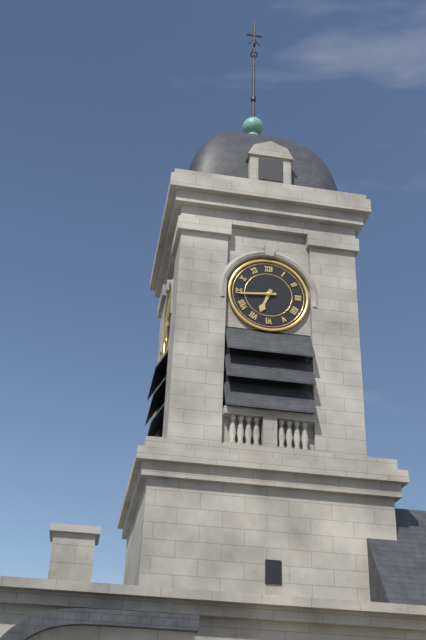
6 h 44 min
